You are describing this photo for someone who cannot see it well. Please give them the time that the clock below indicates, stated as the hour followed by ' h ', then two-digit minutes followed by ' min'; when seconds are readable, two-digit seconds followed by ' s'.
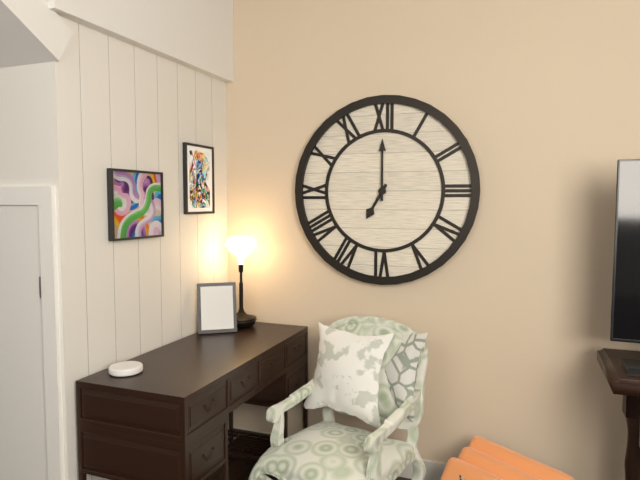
7 h 00 min
